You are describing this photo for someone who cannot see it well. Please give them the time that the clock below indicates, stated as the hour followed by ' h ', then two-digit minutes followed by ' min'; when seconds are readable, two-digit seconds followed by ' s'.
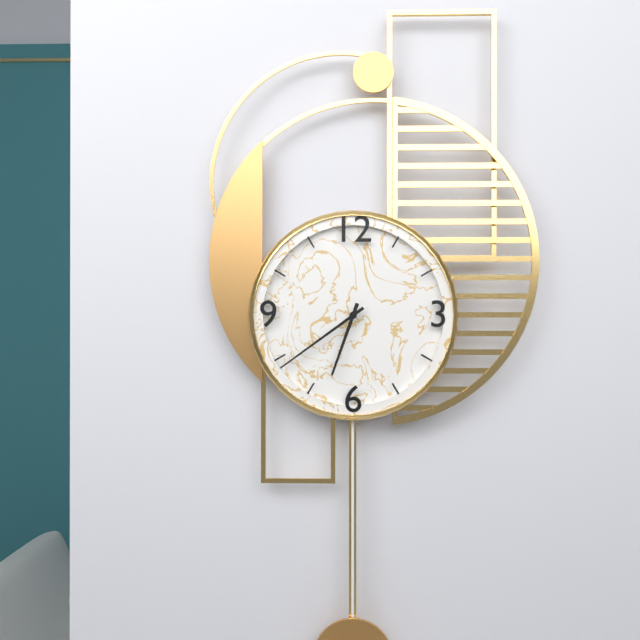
6 h 39 min
